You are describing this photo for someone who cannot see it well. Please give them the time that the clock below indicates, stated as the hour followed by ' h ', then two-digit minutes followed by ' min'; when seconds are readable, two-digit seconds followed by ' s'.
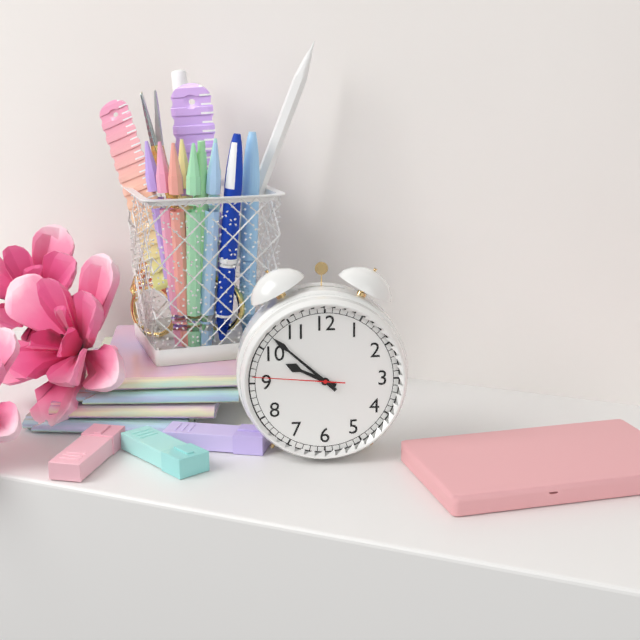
9 h 52 min 46 s
